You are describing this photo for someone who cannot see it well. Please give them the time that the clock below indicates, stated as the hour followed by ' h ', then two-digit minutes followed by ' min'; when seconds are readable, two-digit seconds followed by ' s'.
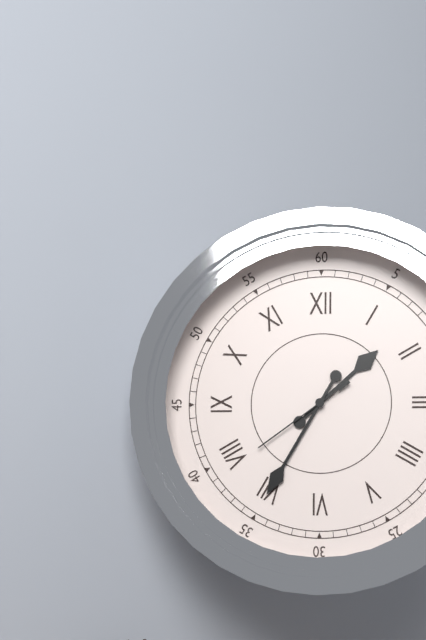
1 h 35 min 39 s
